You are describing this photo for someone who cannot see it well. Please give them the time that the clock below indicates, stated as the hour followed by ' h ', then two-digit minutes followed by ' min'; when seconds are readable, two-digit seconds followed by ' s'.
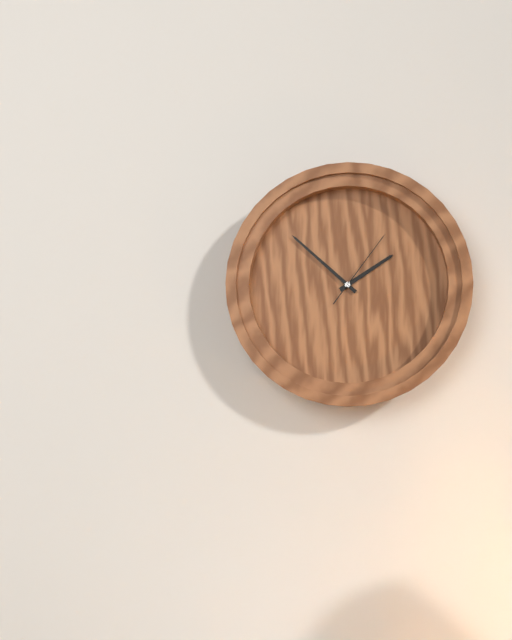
1 h 52 min 06 s
